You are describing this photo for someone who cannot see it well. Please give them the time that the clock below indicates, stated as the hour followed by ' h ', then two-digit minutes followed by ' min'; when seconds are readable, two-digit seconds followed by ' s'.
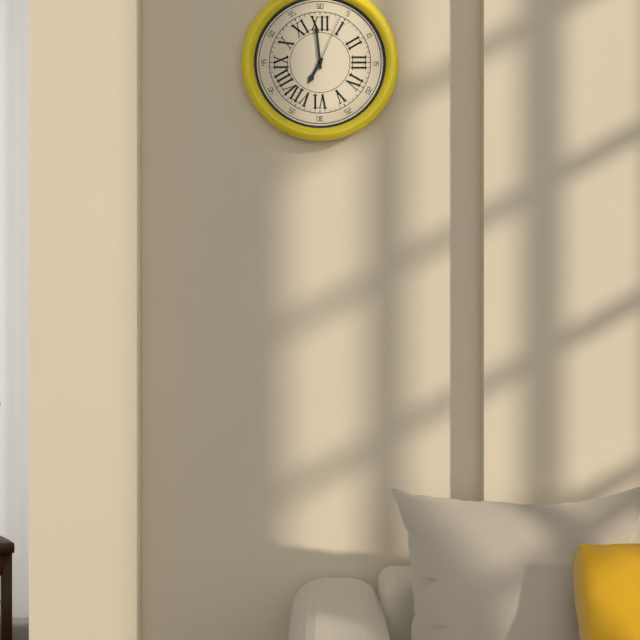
6 h 59 min 04 s
